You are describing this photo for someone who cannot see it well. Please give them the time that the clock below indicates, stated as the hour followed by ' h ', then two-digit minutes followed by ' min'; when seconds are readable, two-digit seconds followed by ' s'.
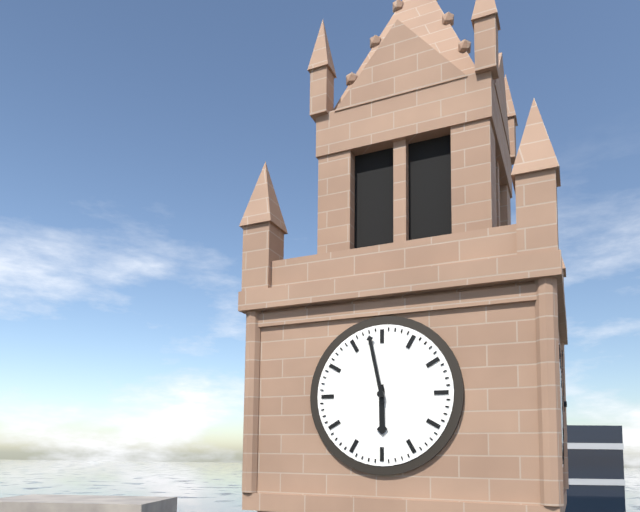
5 h 58 min
